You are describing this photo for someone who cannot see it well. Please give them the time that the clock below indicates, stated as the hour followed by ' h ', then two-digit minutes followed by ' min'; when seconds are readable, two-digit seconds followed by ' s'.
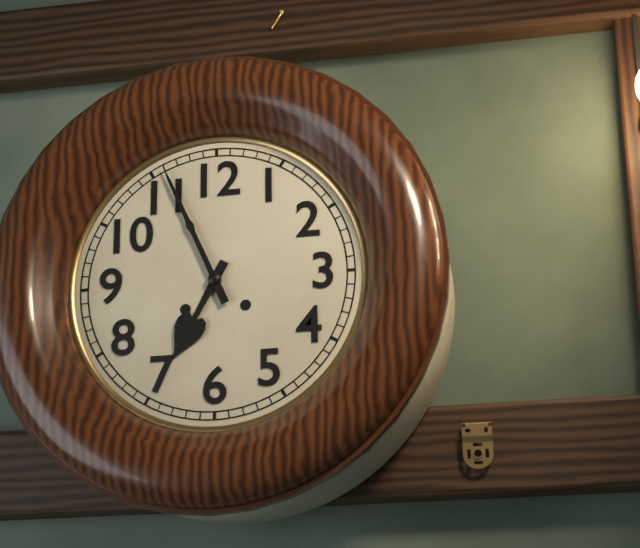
6 h 56 min
